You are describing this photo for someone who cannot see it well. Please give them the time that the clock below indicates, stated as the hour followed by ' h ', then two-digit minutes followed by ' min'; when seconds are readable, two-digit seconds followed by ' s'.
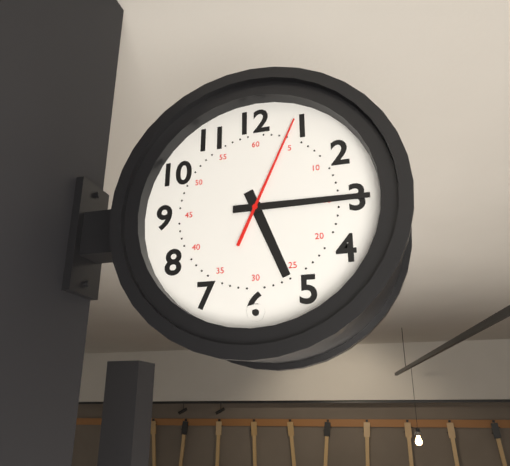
5 h 15 min 04 s
